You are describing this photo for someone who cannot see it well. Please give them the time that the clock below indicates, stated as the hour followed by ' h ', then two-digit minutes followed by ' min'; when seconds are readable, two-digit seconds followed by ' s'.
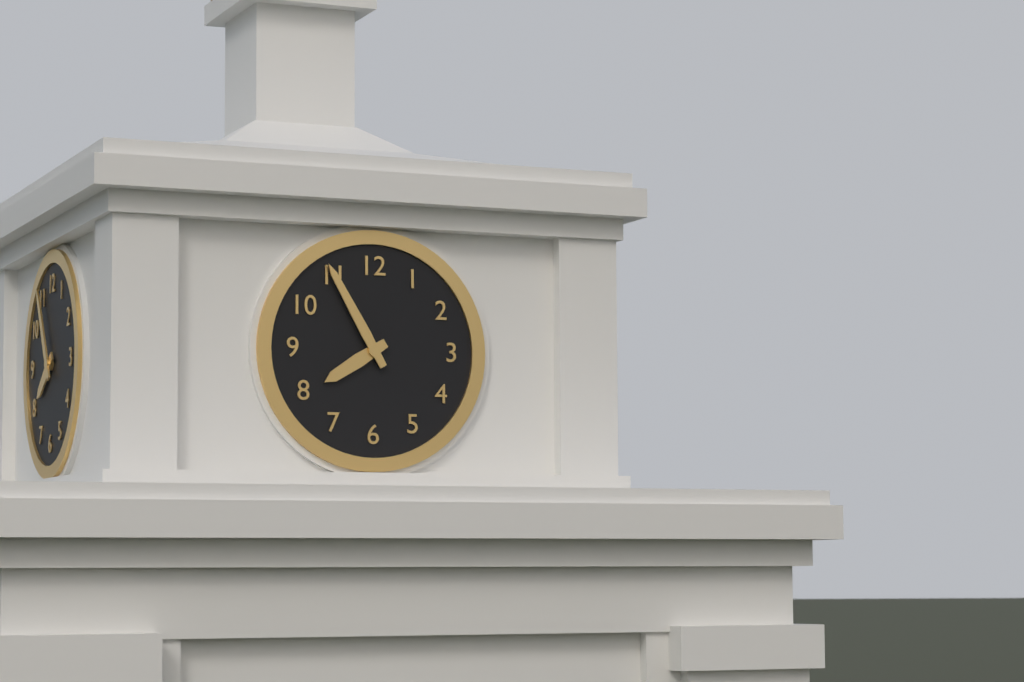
7 h 55 min
